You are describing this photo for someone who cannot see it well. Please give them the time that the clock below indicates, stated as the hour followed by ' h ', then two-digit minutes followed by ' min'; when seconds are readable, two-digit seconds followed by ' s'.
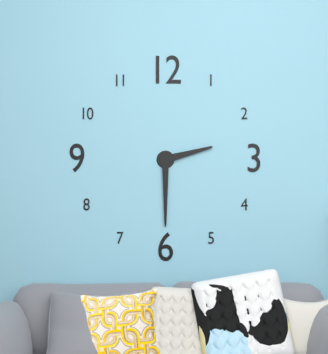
2 h 30 min
